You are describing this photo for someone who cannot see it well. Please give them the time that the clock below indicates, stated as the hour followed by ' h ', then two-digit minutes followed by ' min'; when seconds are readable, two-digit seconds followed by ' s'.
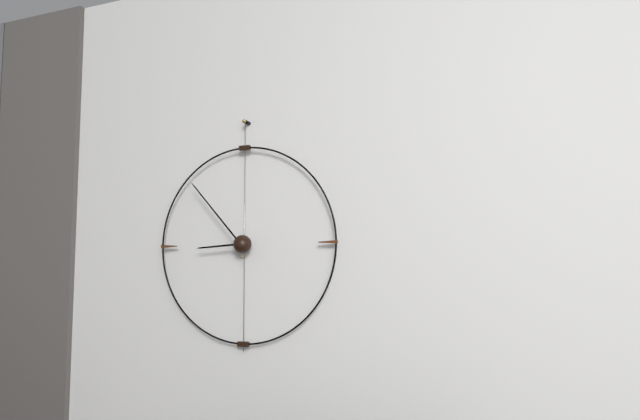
8 h 53 min
